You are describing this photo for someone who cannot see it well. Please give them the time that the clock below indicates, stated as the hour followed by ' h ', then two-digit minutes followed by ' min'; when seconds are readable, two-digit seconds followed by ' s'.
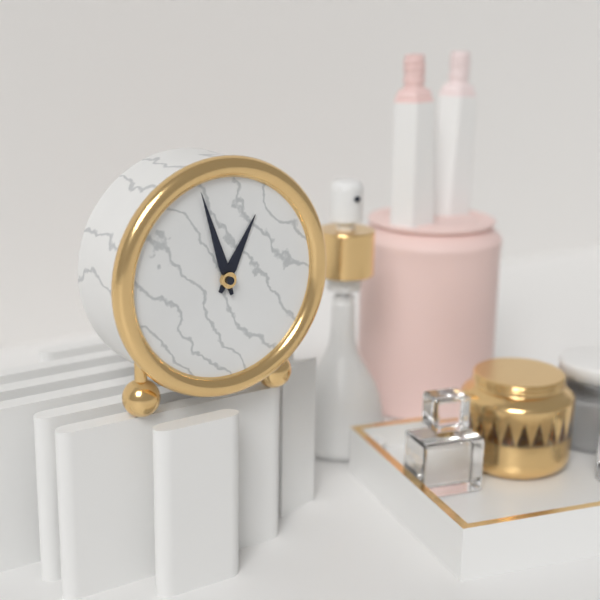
12 h 57 min
